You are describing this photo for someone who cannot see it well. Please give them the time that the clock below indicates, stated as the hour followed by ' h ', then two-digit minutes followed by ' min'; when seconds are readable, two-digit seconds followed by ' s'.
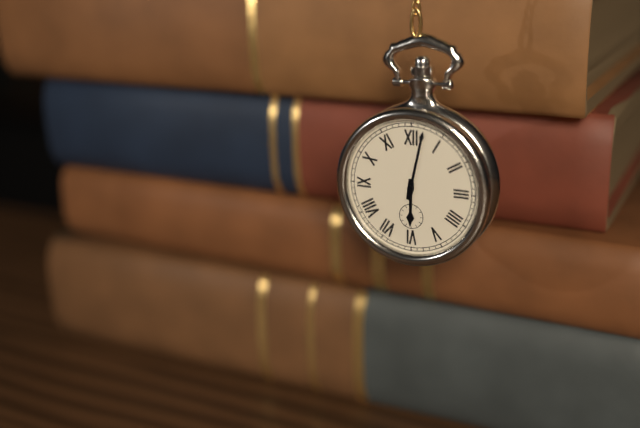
6 h 02 min
